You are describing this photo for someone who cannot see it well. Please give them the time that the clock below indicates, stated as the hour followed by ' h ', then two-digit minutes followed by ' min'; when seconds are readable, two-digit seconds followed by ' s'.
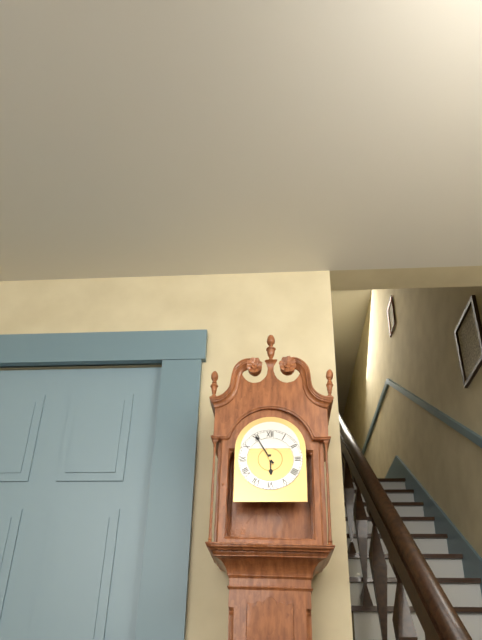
5 h 55 min
